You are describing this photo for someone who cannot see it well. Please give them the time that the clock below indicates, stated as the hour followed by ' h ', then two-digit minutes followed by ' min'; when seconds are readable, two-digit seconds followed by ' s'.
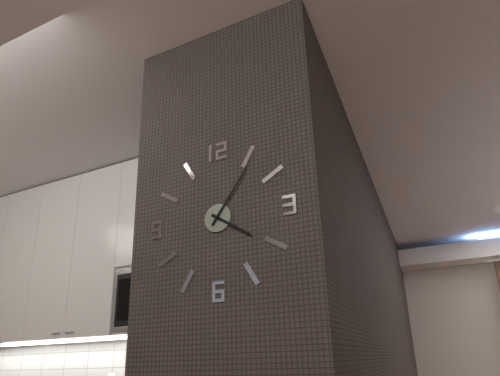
4 h 06 min
